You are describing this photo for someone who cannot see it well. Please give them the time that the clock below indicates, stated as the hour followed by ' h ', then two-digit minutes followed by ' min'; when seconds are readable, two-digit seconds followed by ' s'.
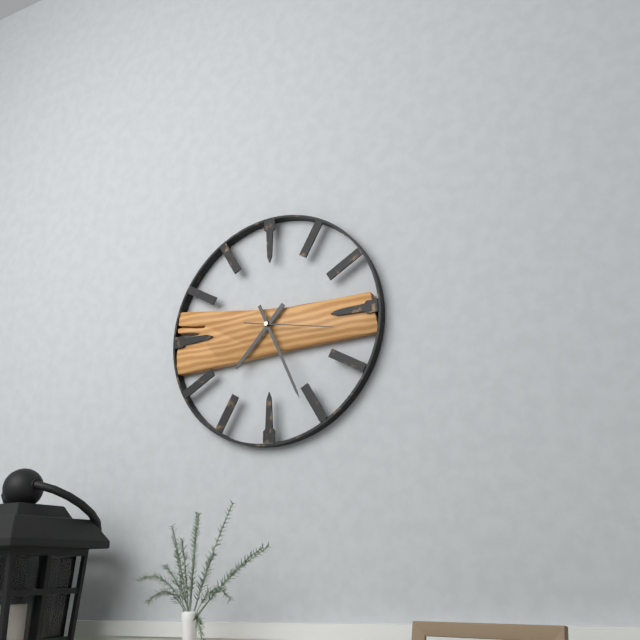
7 h 26 min 17 s
